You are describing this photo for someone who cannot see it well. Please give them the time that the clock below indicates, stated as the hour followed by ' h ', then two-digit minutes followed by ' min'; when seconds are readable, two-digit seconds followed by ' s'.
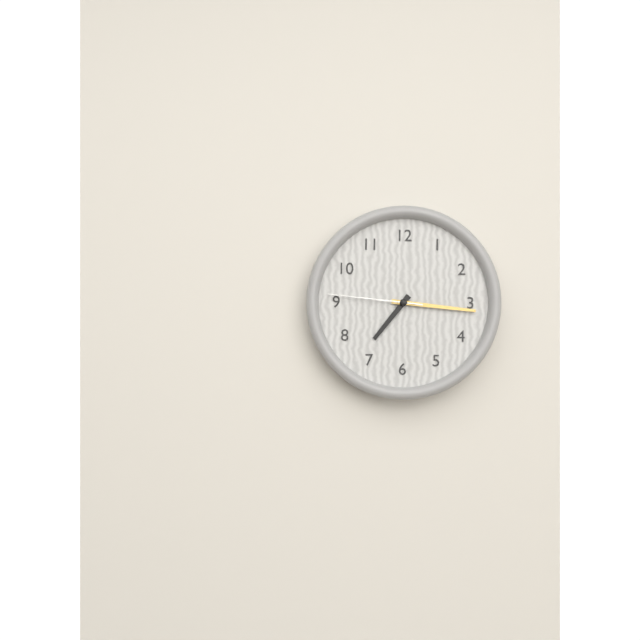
7 h 16 min 46 s
